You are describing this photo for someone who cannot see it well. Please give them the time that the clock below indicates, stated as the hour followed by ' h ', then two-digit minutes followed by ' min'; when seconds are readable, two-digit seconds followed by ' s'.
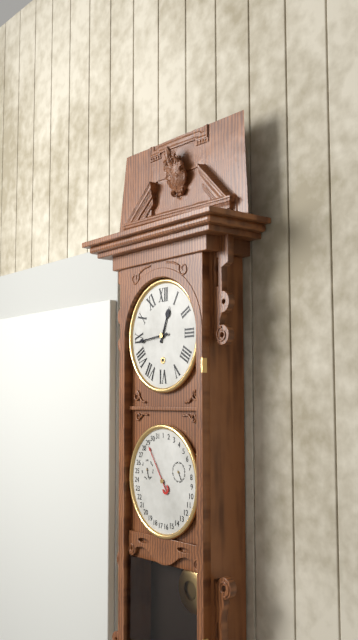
12 h 44 min
